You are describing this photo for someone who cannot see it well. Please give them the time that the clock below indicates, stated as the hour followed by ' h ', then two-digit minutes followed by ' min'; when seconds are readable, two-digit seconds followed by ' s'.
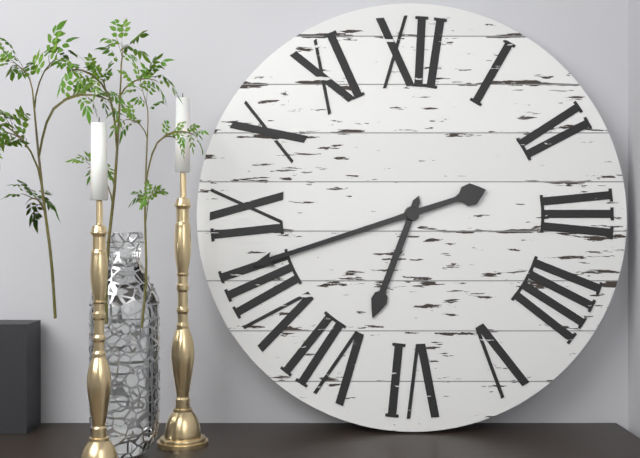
6 h 42 min
